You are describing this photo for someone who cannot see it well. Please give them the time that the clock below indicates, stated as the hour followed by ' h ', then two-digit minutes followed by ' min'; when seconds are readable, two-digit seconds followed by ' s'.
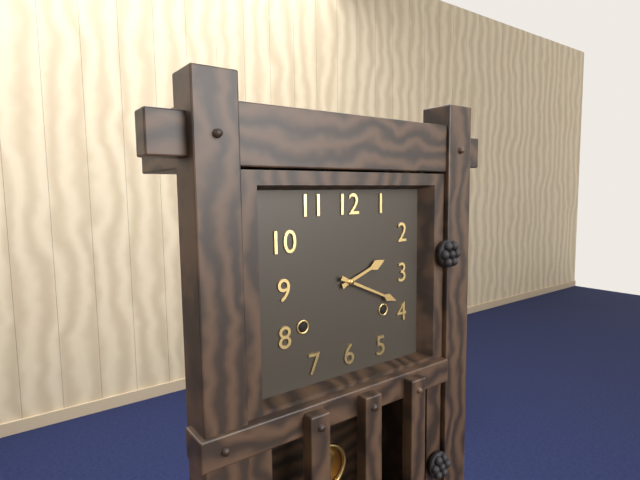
2 h 19 min
